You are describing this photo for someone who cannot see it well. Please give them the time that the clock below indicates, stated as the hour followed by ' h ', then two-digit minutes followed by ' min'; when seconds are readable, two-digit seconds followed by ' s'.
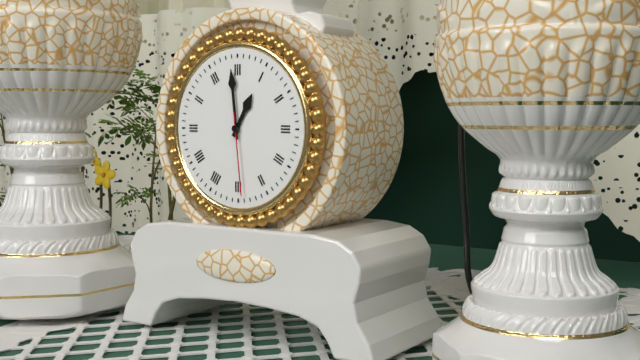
12 h 59 min 29 s
